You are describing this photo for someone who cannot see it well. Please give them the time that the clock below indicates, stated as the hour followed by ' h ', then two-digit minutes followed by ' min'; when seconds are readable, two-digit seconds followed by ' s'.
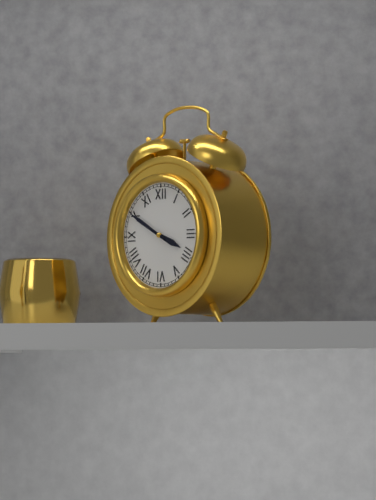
3 h 50 min
